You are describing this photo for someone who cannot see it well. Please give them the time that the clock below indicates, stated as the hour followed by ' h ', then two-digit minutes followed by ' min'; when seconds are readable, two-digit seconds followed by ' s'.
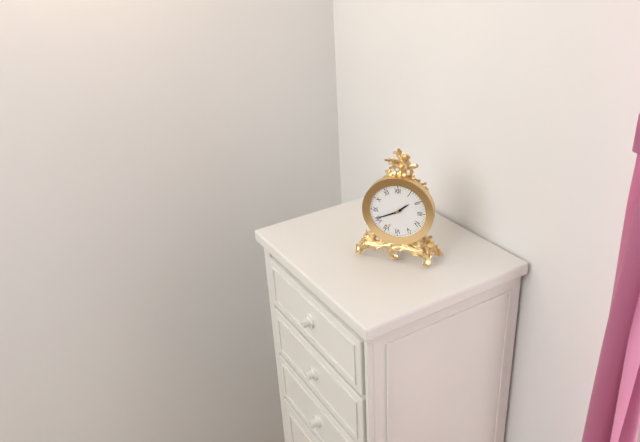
1 h 41 min
